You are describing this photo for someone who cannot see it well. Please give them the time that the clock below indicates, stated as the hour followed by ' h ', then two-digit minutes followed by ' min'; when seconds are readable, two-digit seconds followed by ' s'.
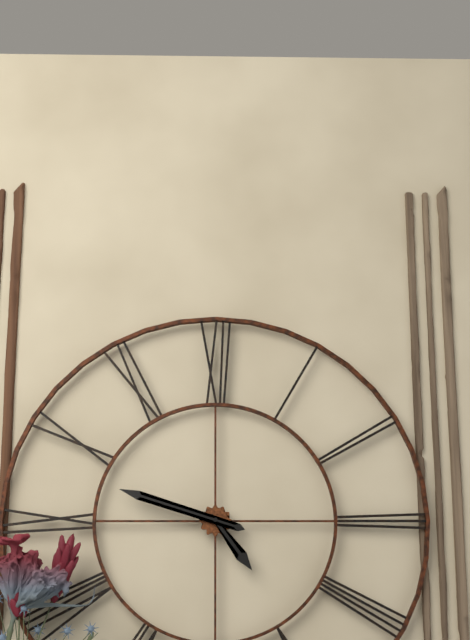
4 h 48 min
